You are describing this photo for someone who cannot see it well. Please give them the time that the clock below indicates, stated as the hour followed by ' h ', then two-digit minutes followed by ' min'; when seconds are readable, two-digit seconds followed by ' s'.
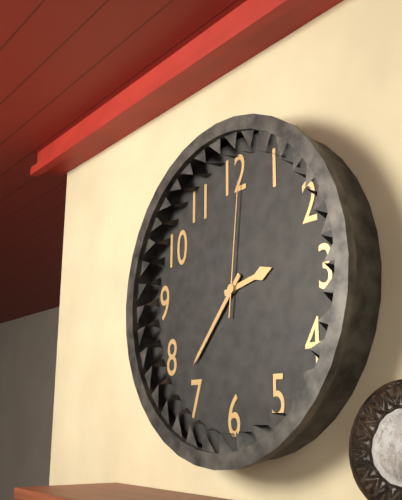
2 h 37 min 01 s
